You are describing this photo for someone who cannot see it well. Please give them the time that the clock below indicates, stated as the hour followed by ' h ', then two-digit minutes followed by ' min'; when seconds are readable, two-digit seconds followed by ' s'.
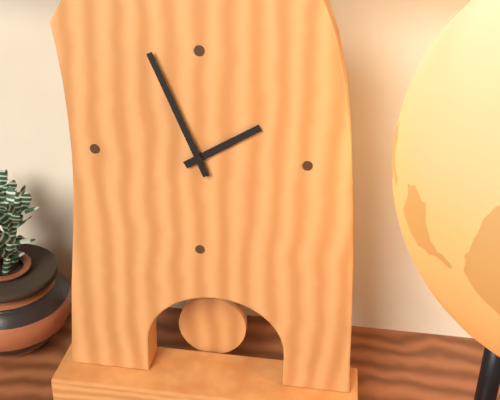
1 h 56 min
